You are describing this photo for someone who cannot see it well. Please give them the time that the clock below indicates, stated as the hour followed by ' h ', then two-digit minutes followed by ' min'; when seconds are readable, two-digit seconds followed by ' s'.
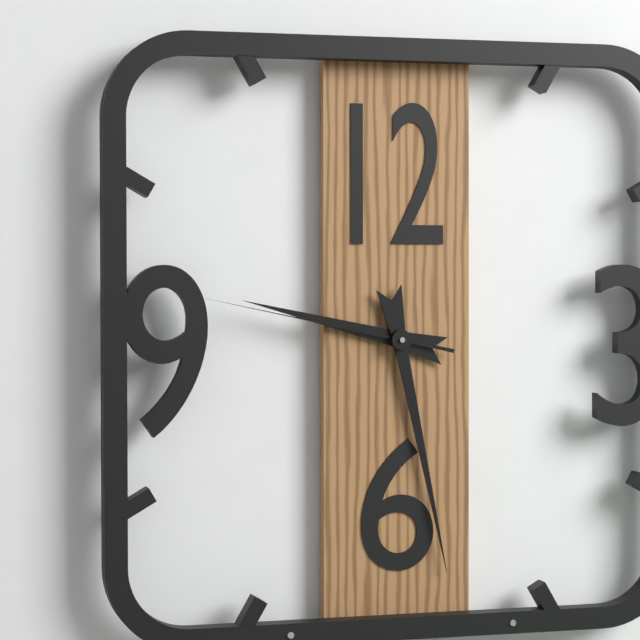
9 h 28 min 47 s
